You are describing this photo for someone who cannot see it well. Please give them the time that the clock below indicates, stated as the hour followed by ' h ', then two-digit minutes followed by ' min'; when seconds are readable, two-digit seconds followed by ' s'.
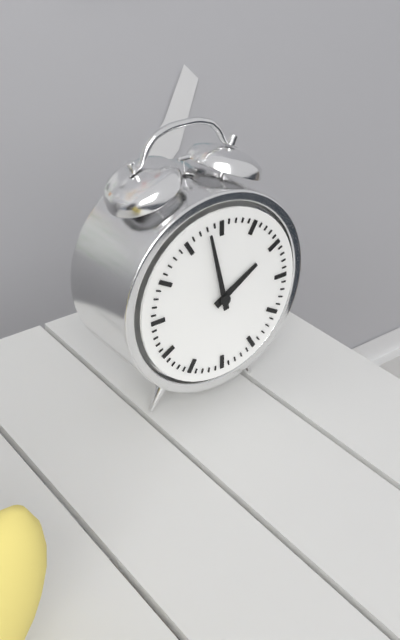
1 h 58 min
